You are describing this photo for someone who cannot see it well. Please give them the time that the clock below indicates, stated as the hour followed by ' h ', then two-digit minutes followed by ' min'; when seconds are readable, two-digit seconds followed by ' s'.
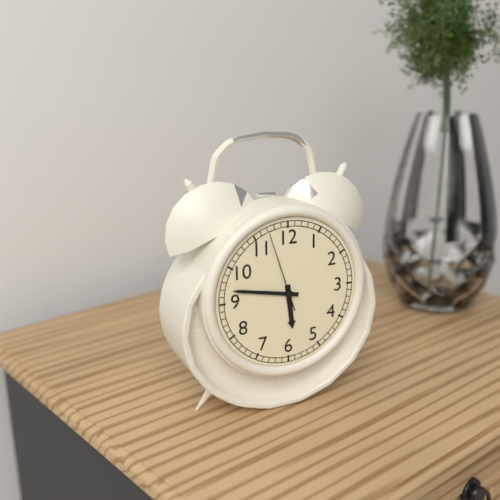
5 h 47 min 57 s
